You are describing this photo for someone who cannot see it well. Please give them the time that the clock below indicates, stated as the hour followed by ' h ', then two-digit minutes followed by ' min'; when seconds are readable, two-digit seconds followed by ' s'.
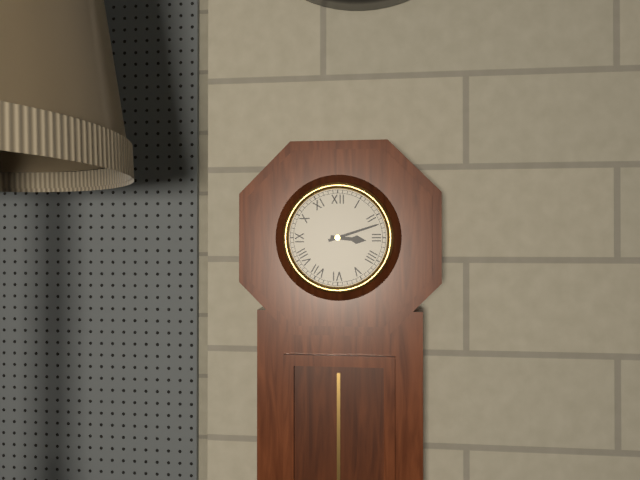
3 h 12 min
